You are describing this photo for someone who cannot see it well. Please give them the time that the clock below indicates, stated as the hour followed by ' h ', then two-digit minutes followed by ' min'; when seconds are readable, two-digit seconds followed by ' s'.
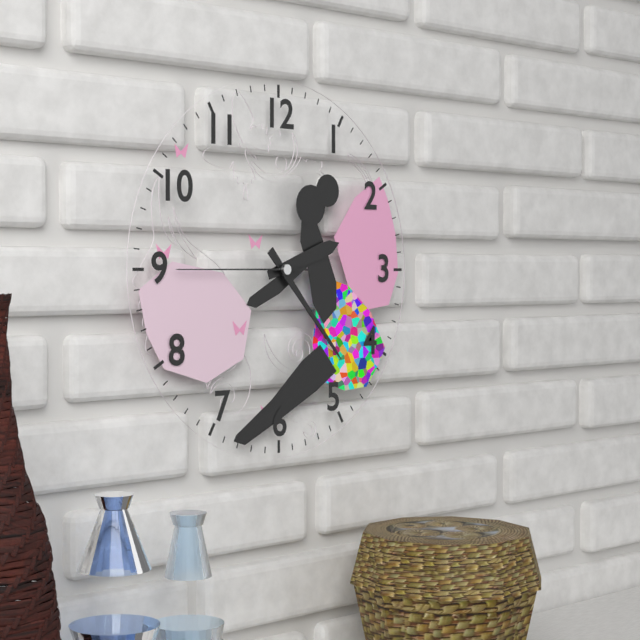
2 h 23 min 45 s
